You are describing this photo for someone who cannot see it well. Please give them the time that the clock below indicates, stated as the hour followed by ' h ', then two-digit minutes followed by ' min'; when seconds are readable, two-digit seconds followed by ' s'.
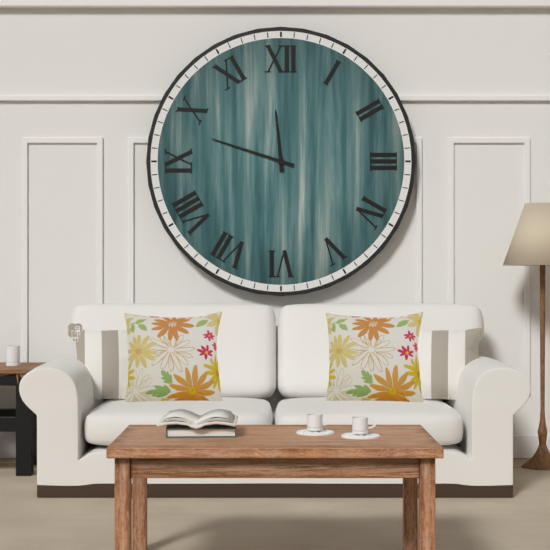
11 h 48 min
